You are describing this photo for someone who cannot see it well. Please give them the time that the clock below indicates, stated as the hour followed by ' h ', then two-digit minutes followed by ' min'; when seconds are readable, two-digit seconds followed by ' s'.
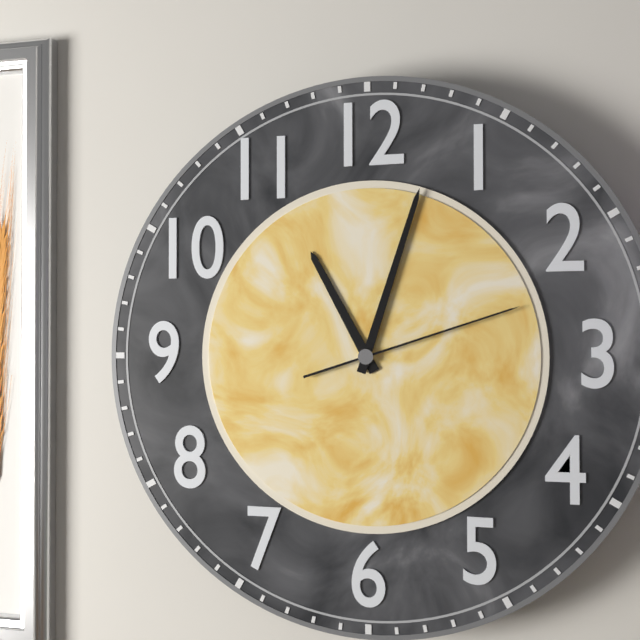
11 h 03 min 12 s
